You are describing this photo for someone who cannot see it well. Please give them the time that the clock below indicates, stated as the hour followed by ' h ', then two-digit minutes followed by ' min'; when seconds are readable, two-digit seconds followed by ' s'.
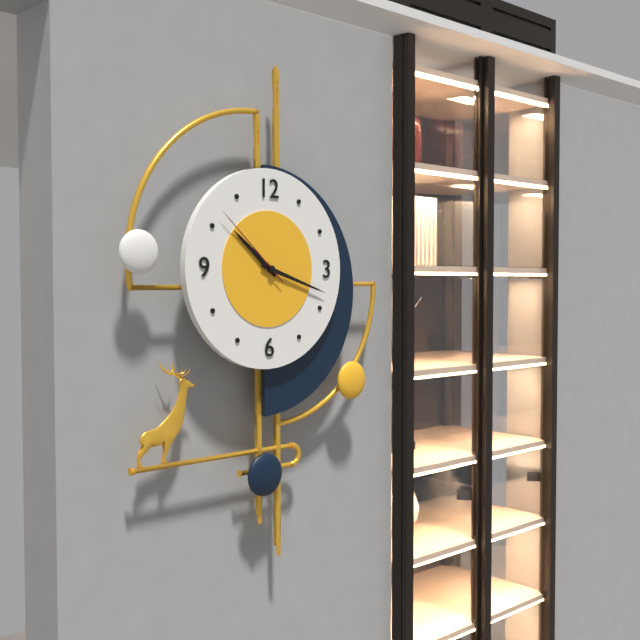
10 h 18 min 52 s
